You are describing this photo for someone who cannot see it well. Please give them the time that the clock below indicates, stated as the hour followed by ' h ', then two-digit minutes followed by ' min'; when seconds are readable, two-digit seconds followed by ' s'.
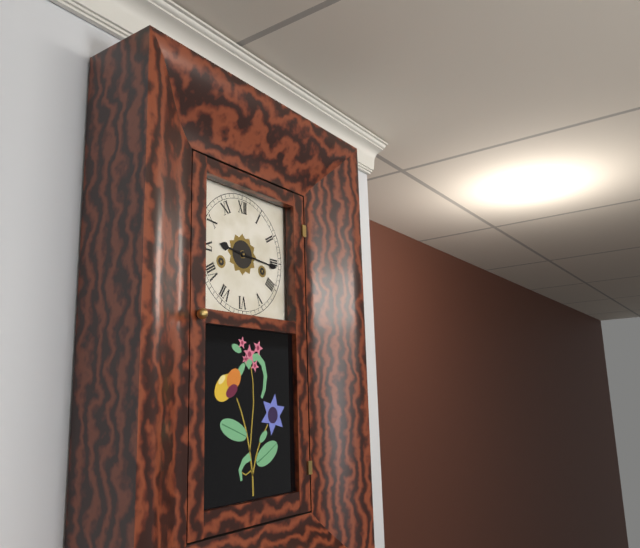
9 h 16 min
